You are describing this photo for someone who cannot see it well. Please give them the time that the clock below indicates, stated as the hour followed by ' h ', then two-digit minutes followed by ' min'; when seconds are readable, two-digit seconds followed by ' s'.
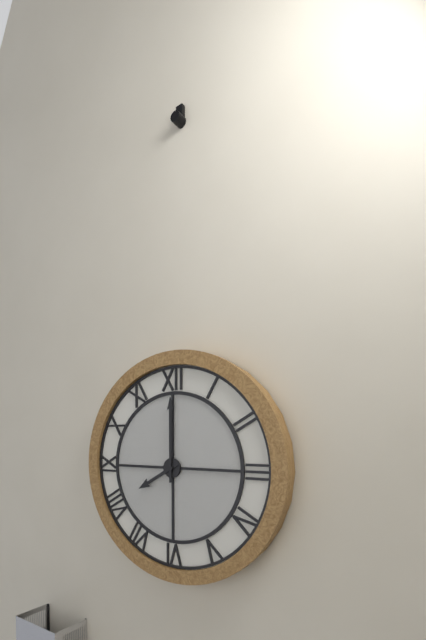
8 h 00 min
